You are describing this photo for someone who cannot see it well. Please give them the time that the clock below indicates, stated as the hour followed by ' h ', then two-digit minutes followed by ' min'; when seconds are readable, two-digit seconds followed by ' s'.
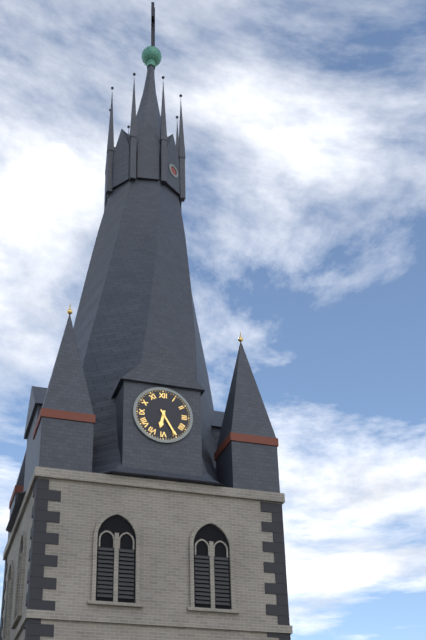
6 h 25 min
